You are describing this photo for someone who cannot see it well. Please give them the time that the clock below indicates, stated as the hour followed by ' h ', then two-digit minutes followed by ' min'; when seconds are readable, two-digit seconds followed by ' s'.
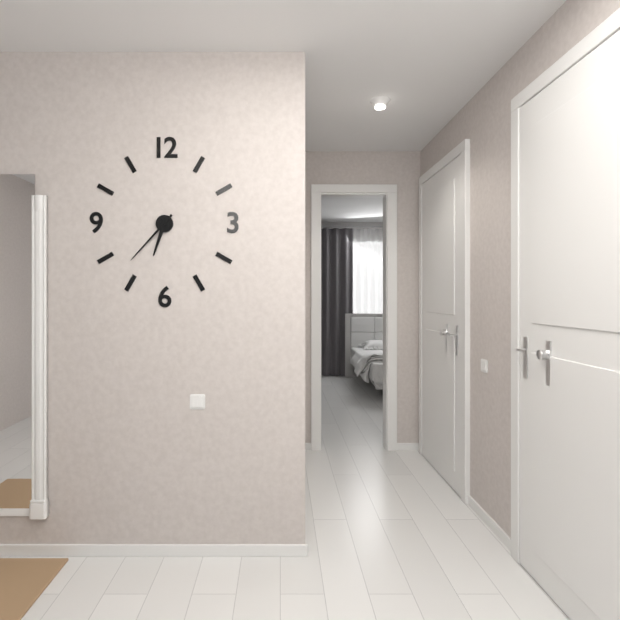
6 h 37 min
